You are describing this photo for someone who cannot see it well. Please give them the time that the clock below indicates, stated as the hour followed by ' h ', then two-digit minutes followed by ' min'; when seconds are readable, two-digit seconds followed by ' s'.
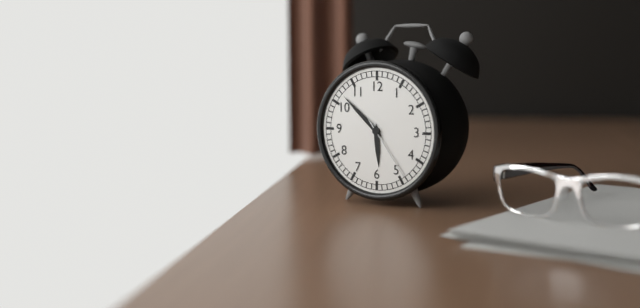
5 h 52 min 24 s
